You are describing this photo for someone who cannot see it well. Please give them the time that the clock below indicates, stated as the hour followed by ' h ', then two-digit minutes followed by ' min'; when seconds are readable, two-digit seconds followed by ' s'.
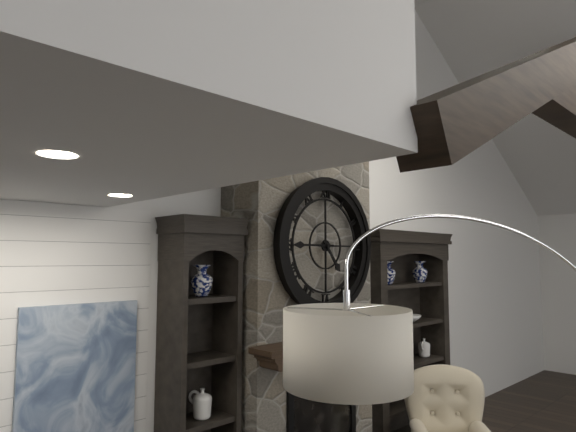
4 h 45 min
